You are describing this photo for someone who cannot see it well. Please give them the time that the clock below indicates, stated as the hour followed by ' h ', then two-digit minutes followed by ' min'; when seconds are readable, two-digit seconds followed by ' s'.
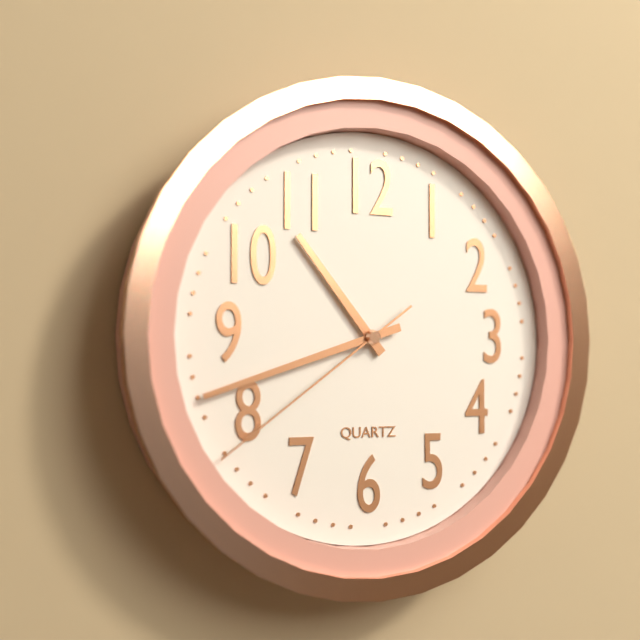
10 h 42 min 39 s
